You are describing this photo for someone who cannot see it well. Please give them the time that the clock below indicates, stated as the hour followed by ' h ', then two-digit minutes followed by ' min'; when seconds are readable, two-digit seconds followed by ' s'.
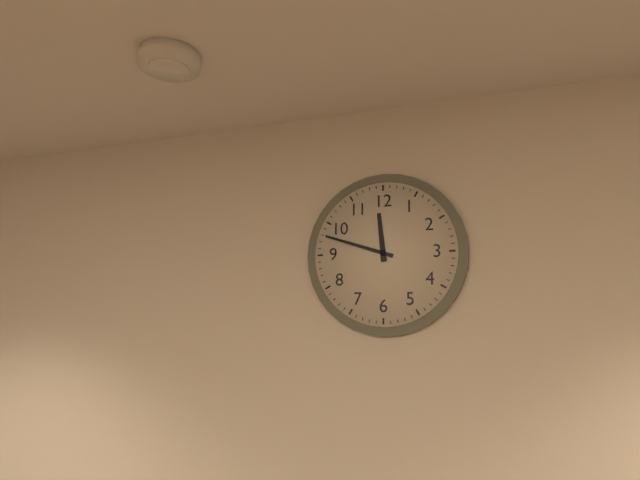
11 h 48 min
